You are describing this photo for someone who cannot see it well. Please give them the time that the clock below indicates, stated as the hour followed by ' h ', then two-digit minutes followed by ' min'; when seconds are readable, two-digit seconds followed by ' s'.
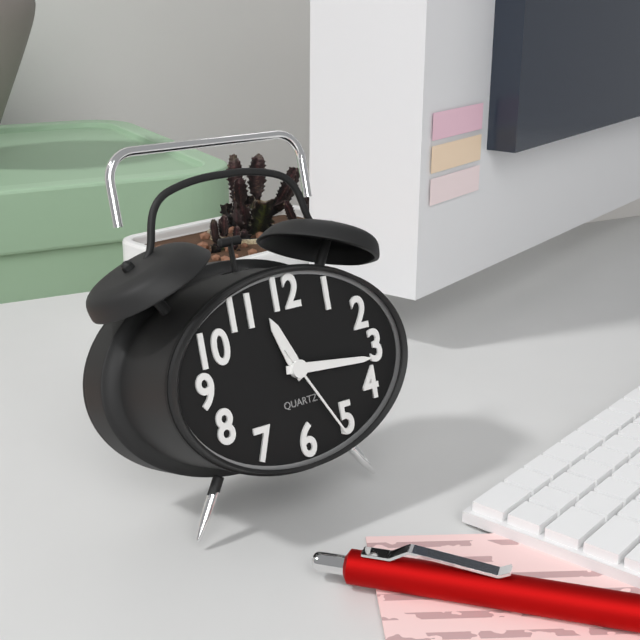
11 h 16 min 25 s
